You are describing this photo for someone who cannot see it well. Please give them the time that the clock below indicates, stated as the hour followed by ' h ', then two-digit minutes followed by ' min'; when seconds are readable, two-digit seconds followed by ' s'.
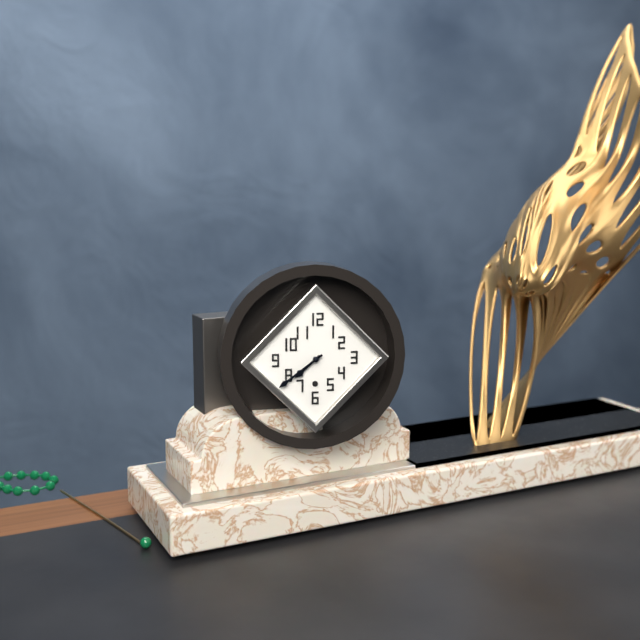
7 h 39 min
